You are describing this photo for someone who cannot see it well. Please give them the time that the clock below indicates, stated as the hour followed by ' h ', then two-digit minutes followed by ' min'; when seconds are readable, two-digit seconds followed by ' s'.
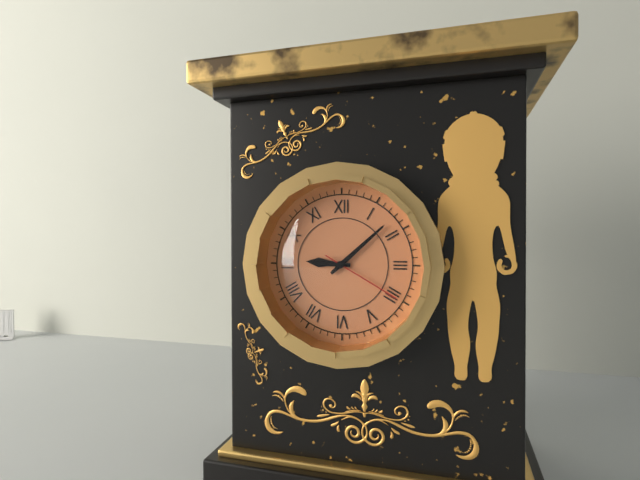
9 h 08 min 20 s
